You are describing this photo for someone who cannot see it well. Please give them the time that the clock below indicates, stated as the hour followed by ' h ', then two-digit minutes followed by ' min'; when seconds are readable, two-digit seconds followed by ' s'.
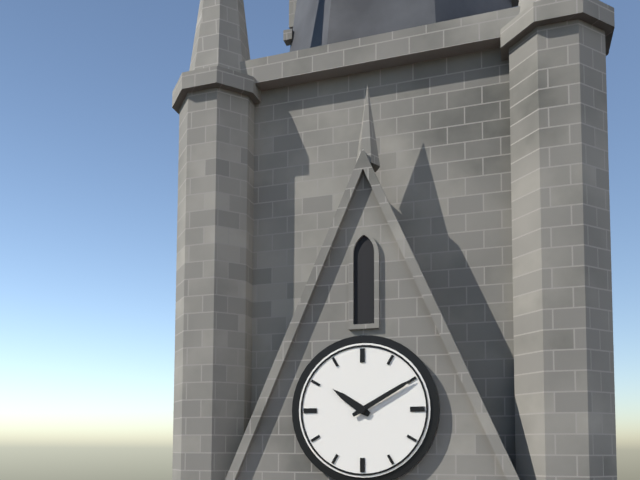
10 h 10 min
